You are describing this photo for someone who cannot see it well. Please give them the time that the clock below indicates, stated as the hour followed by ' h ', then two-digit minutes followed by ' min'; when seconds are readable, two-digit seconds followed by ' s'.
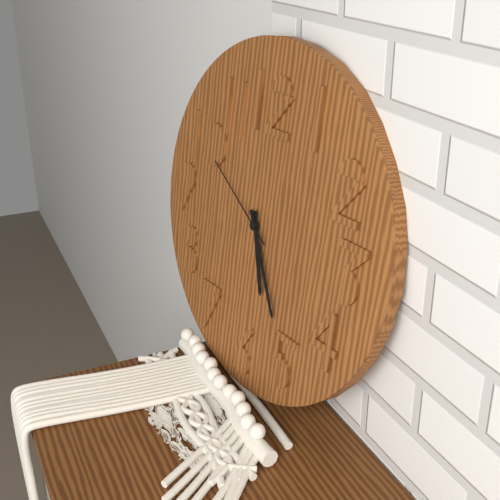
5 h 25 min 50 s
